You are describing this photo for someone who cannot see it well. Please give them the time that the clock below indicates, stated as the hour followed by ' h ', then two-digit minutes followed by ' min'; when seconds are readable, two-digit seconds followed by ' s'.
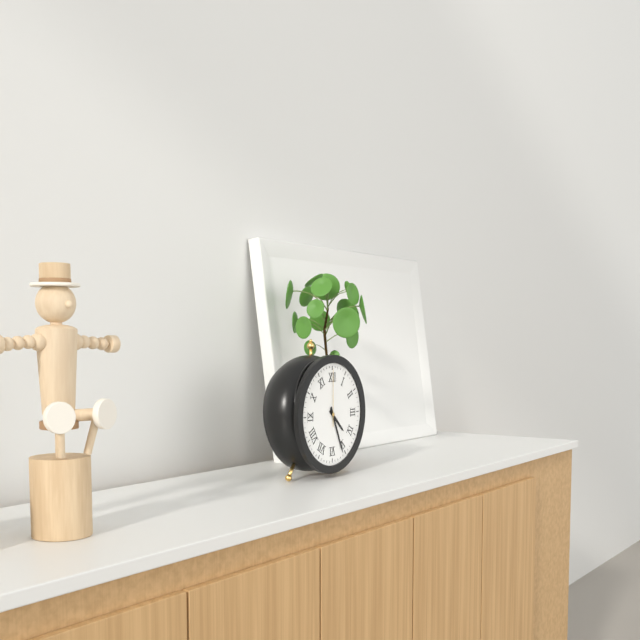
4 h 26 min 00 s
